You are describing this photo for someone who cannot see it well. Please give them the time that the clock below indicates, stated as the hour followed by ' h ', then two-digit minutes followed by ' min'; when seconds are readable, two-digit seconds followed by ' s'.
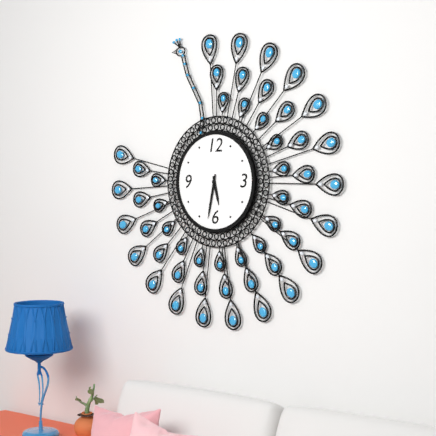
5 h 32 min
